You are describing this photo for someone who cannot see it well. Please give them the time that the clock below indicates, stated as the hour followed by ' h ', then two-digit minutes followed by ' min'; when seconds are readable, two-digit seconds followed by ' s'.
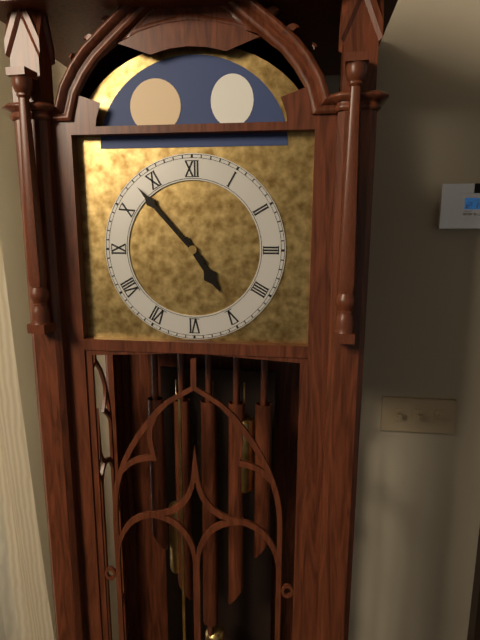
4 h 53 min
